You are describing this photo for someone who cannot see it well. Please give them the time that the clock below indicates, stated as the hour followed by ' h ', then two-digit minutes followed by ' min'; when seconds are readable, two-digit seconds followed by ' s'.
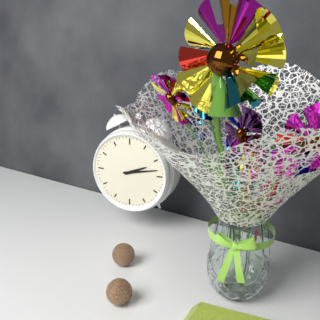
2 h 13 min
